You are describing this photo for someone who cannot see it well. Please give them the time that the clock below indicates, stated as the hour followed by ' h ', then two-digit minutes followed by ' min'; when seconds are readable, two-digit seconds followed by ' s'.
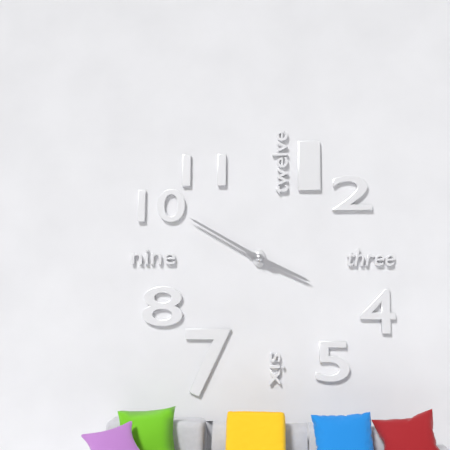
3 h 50 min
